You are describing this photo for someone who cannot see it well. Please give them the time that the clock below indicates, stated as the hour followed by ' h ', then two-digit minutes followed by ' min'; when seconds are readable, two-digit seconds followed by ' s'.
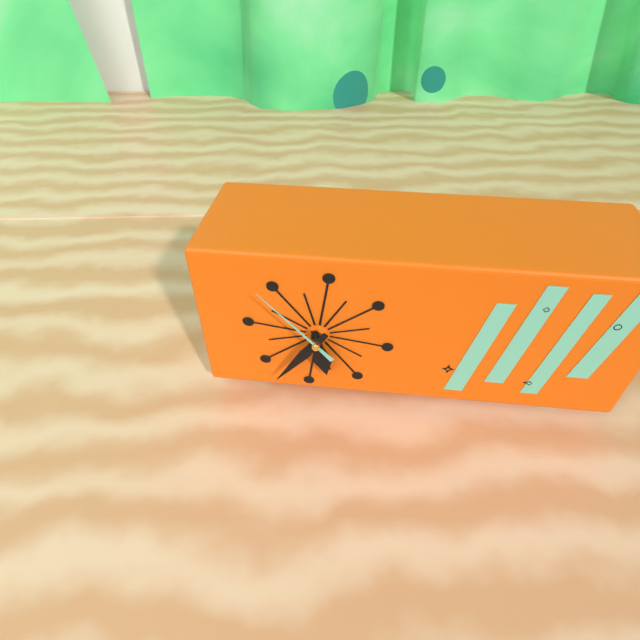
5 h 36 min 53 s
